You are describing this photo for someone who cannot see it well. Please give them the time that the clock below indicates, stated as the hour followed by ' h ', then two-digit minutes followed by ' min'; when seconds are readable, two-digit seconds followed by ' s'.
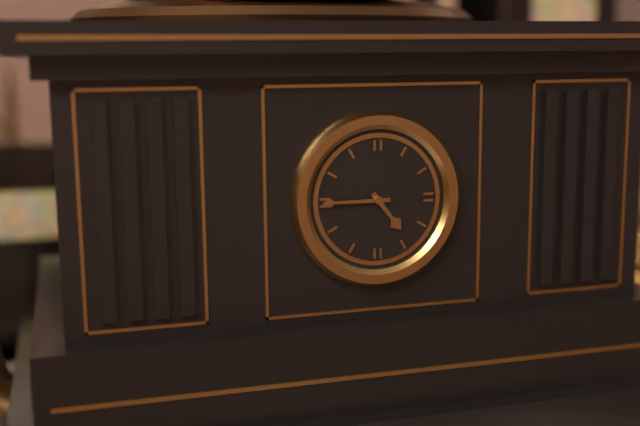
4 h 45 min
